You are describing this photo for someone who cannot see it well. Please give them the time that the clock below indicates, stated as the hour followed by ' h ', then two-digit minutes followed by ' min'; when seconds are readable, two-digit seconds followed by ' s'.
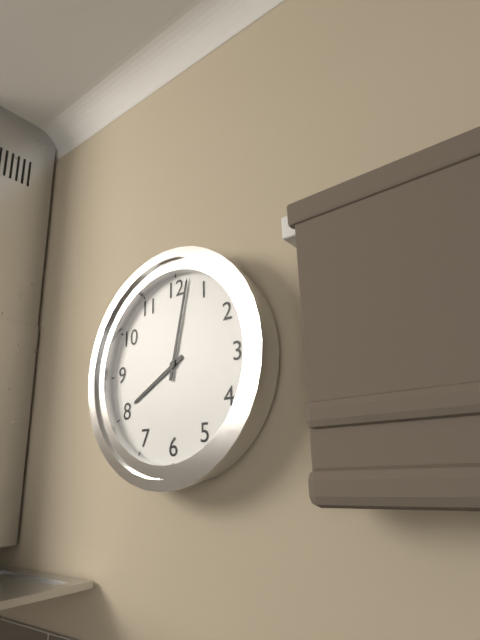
8 h 02 min
